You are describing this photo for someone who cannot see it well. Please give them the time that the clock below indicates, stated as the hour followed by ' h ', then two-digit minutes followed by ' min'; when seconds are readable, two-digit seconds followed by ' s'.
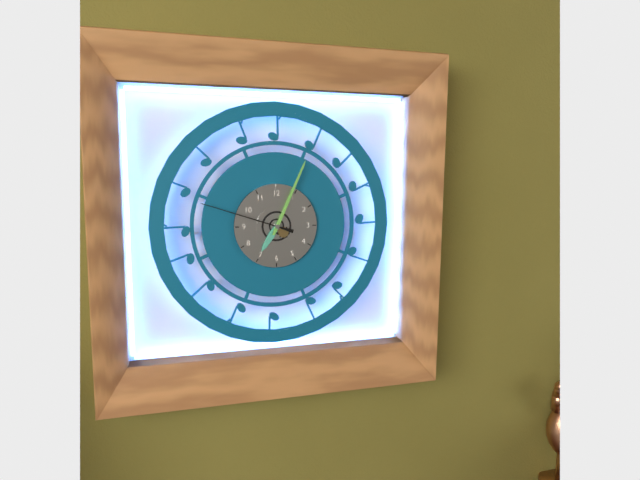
7 h 04 min 48 s
